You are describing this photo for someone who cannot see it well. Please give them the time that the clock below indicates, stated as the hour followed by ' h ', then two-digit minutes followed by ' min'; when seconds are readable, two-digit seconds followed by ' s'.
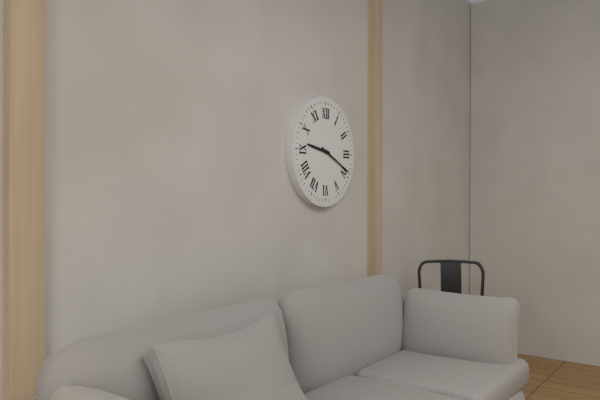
9 h 19 min
